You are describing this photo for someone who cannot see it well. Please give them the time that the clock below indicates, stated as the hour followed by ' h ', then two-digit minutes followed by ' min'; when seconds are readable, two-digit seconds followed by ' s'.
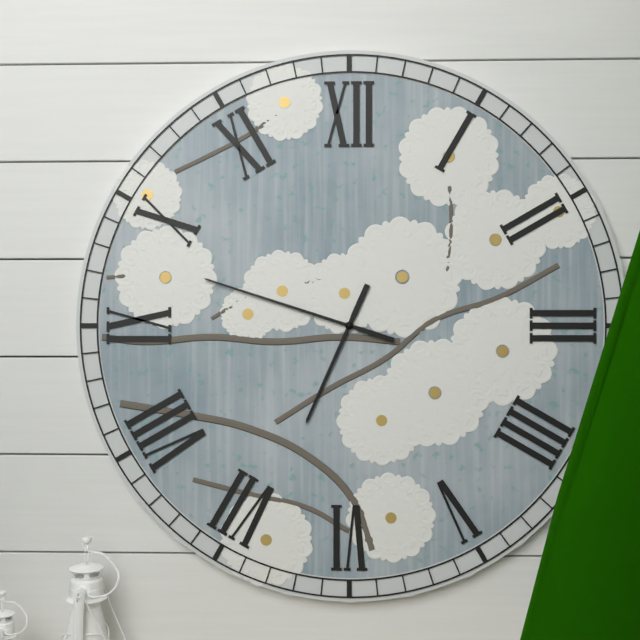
6 h 48 min
